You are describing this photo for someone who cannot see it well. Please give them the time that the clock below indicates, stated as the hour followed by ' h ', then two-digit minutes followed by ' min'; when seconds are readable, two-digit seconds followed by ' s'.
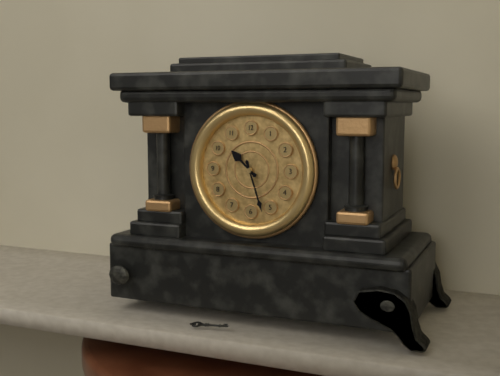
10 h 27 min
